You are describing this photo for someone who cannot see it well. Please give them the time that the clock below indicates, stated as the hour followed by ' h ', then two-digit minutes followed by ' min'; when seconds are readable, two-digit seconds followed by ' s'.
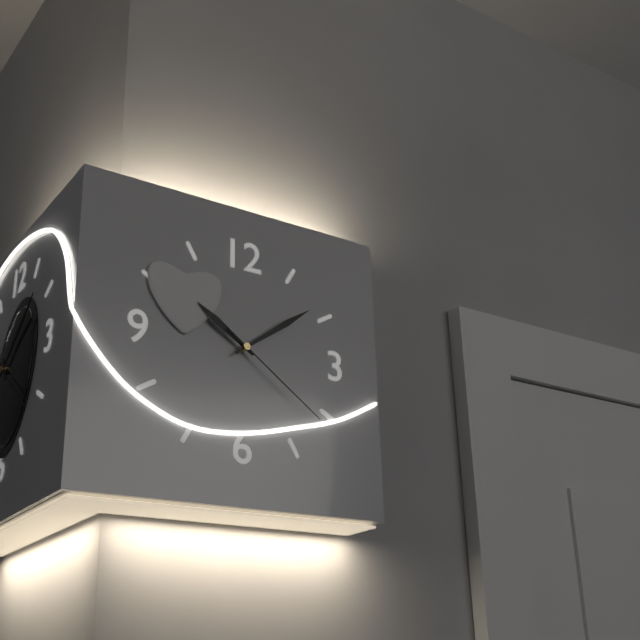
10 h 09 min 21 s
